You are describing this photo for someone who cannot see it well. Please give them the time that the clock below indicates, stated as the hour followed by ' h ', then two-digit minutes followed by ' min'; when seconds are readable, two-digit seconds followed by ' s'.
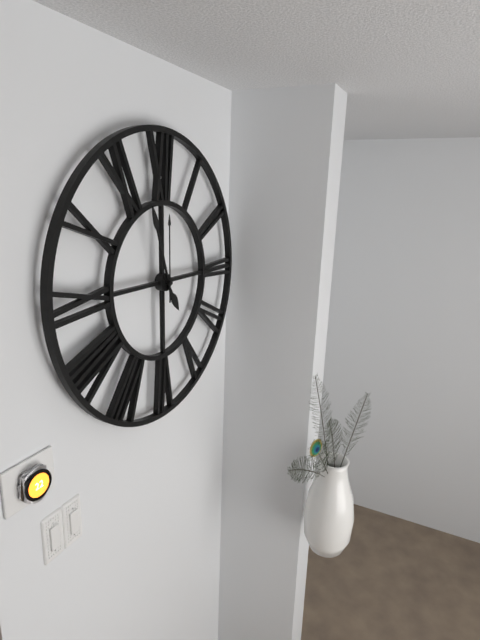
4 h 57 min 00 s
